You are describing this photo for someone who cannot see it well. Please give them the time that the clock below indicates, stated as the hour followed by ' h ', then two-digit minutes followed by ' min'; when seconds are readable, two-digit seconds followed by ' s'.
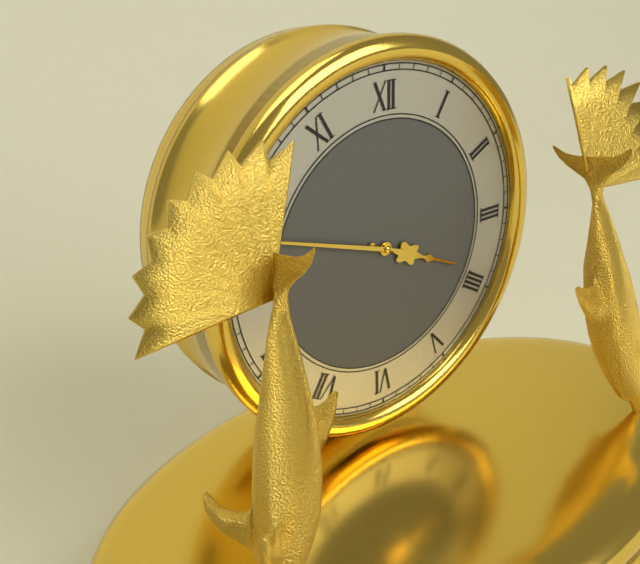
3 h 48 min
